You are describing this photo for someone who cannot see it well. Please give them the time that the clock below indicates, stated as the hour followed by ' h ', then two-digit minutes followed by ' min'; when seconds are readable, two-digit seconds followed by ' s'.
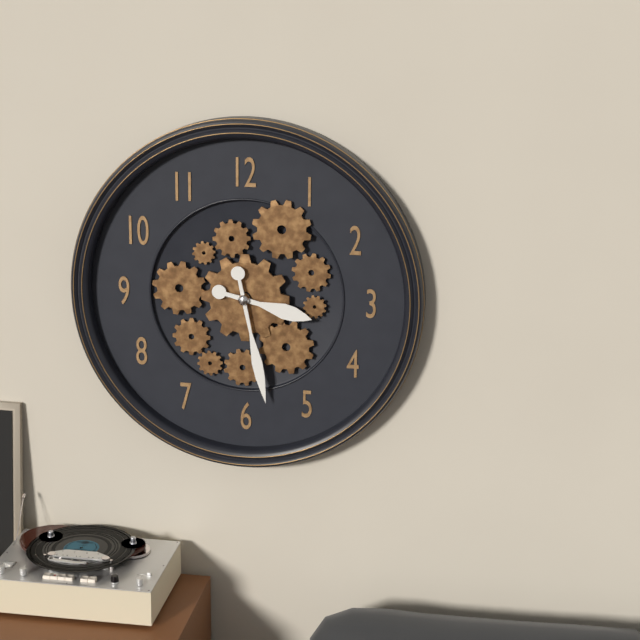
3 h 28 min
